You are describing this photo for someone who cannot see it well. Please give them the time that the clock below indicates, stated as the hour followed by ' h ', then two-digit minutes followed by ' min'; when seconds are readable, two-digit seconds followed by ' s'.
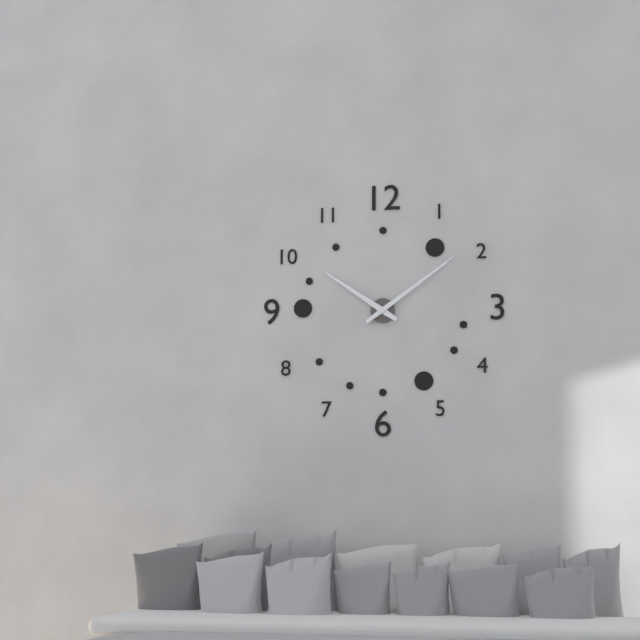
10 h 09 min
